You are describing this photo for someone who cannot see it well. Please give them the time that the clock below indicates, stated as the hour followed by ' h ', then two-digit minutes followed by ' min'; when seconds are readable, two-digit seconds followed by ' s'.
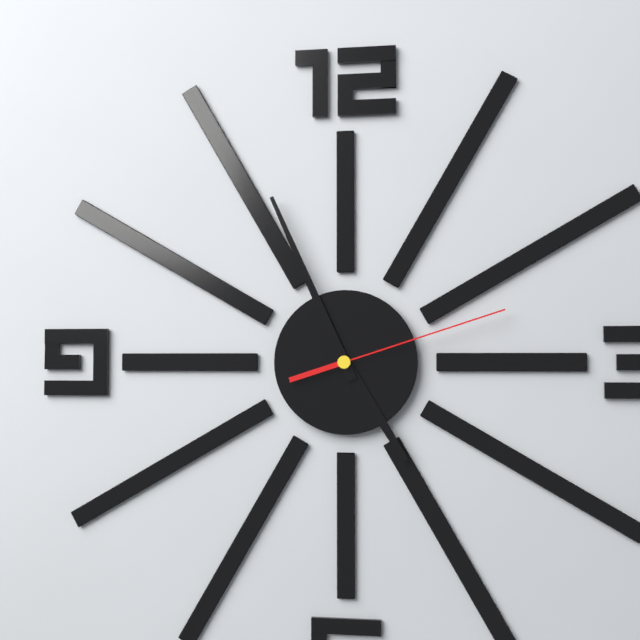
4 h 56 min 12 s
